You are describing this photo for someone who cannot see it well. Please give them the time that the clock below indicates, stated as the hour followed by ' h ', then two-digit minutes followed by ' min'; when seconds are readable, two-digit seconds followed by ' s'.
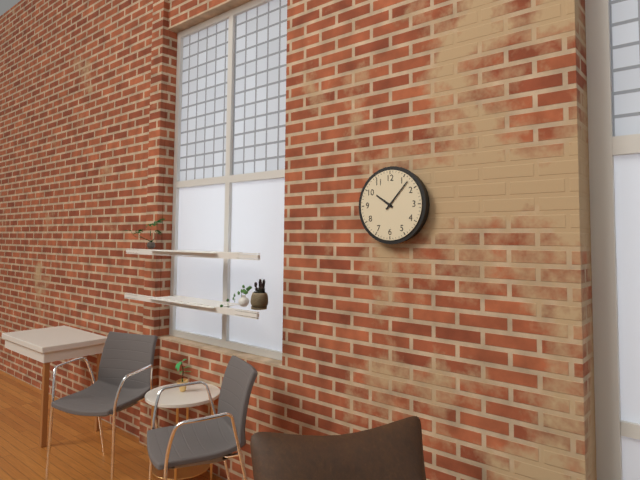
10 h 07 min
